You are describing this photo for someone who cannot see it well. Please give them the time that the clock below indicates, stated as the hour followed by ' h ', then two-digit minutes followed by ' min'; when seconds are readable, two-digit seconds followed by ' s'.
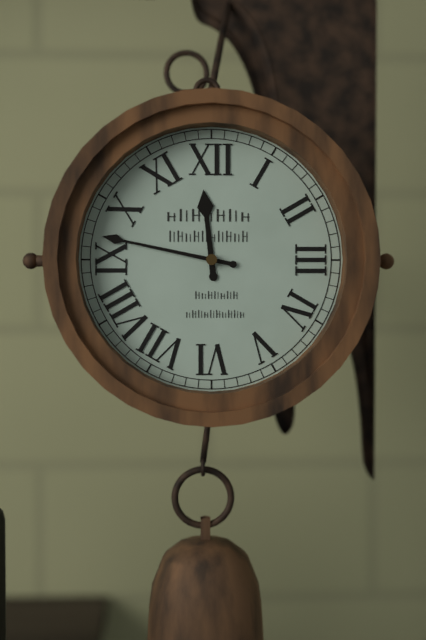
11 h 47 min
